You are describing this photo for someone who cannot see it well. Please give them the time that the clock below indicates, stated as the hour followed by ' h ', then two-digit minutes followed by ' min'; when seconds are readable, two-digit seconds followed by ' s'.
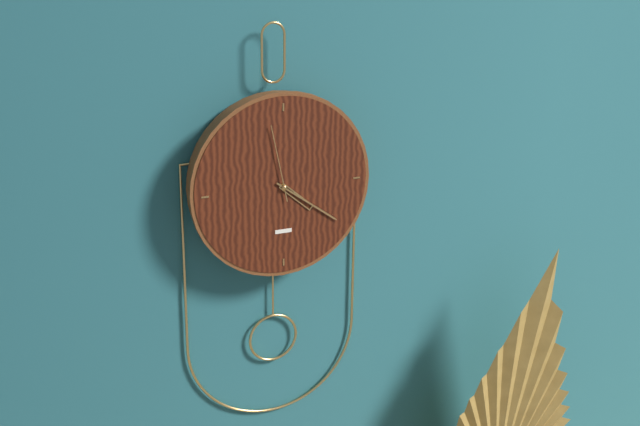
4 h 21 min 58 s
